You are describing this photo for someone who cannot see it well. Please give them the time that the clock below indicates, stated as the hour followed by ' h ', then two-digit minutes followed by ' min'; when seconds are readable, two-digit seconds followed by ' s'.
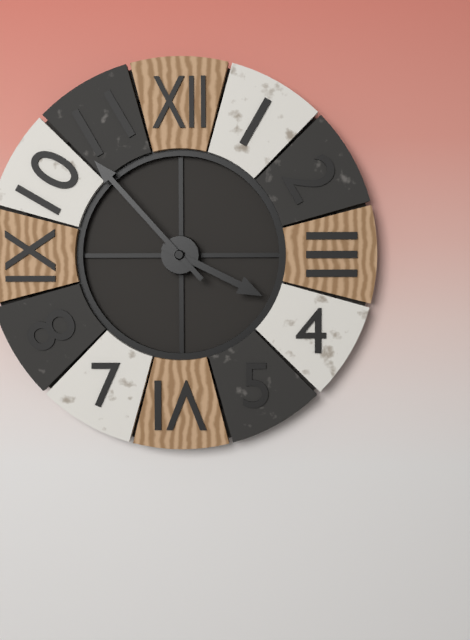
3 h 53 min
